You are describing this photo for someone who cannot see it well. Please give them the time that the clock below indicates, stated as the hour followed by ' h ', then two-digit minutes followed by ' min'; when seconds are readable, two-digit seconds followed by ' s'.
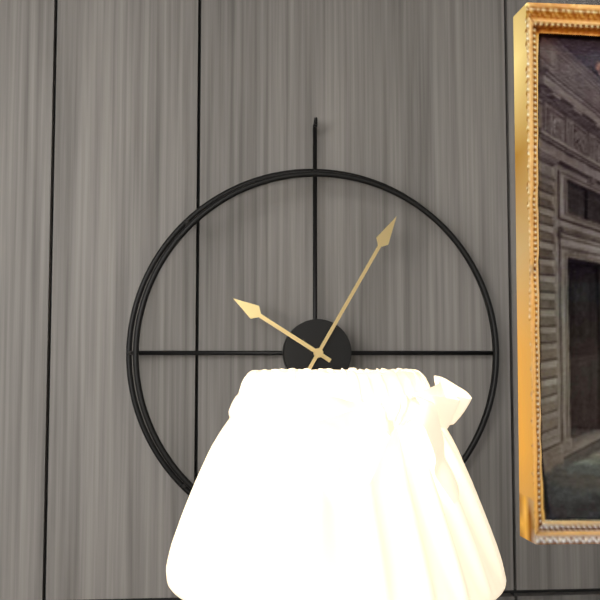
10 h 05 min
